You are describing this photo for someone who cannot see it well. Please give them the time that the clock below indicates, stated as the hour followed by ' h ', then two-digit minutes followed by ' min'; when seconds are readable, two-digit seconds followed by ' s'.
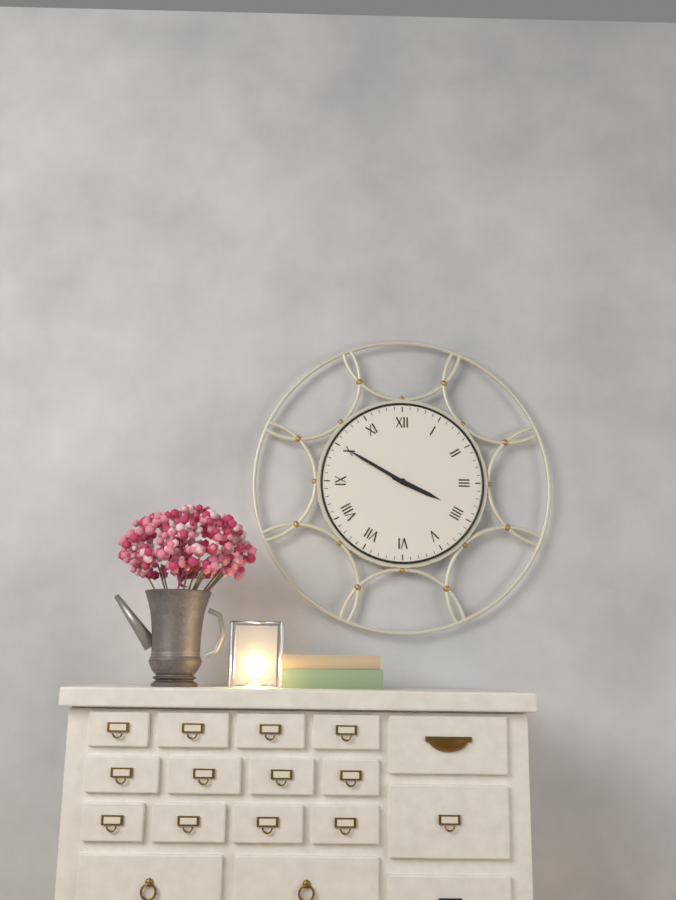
3 h 50 min
